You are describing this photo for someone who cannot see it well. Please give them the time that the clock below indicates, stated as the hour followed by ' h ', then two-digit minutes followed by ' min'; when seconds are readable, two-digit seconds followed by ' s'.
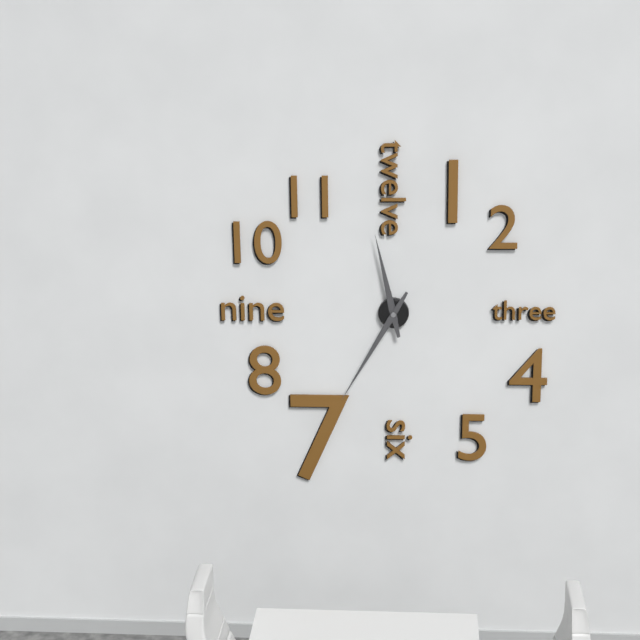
11 h 35 min
